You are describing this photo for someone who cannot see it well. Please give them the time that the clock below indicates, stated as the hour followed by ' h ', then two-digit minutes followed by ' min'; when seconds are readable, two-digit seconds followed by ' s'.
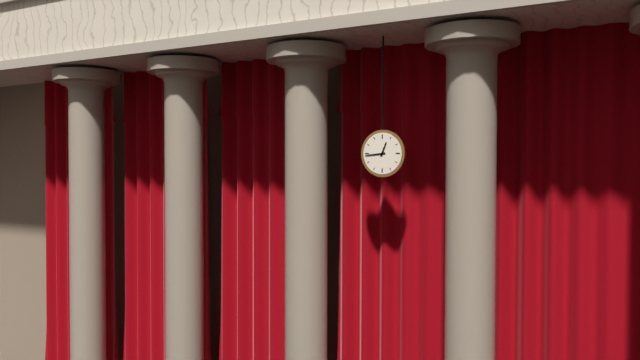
12 h 44 min
